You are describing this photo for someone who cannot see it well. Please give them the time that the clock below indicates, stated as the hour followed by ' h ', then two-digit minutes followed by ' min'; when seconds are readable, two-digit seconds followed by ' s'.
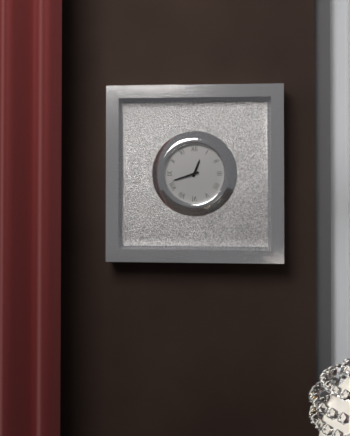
12 h 42 min
